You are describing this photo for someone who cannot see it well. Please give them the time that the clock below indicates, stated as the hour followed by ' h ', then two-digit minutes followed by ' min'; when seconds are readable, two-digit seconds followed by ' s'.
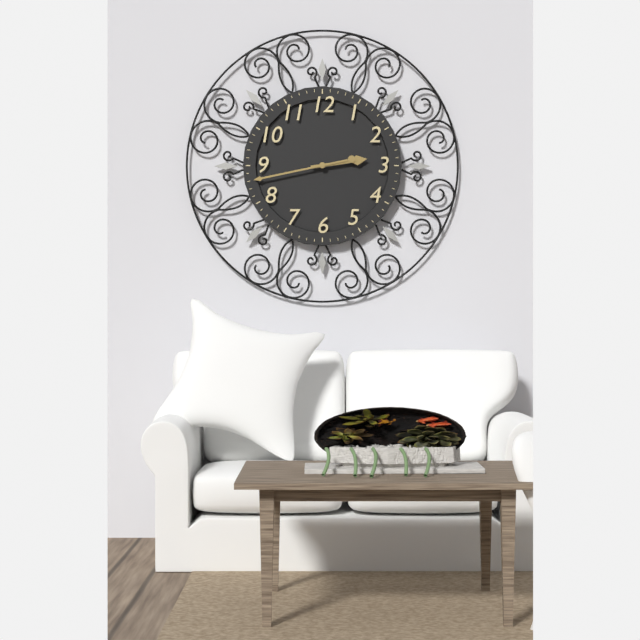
2 h 43 min
